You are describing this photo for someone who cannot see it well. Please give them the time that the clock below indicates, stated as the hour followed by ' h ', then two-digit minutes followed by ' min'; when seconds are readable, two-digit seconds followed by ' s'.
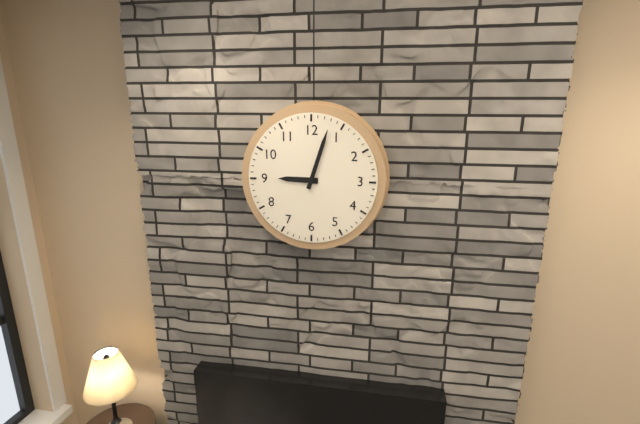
9 h 03 min
